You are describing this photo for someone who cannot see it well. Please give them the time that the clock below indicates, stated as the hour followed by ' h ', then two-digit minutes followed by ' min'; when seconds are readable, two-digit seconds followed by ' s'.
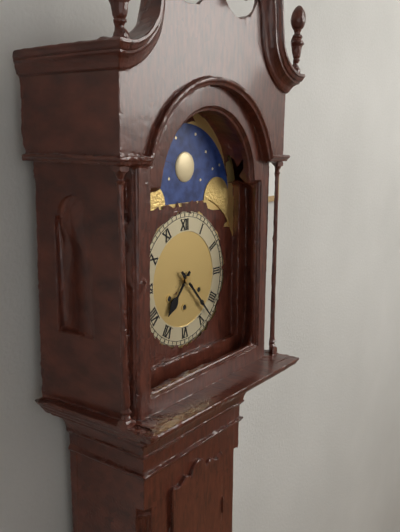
7 h 23 min
